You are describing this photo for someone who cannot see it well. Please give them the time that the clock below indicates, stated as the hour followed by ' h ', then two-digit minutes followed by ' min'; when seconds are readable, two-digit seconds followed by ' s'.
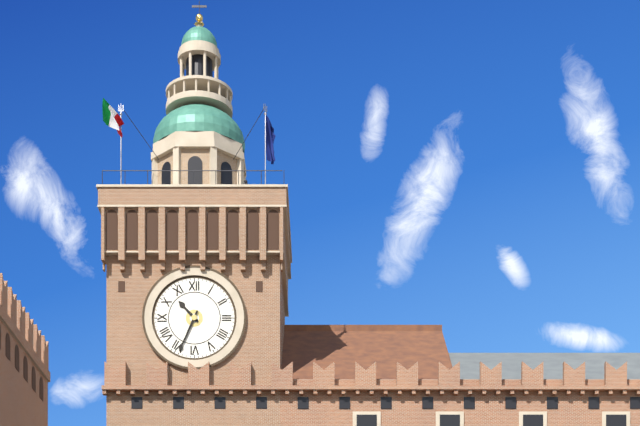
10 h 34 min
